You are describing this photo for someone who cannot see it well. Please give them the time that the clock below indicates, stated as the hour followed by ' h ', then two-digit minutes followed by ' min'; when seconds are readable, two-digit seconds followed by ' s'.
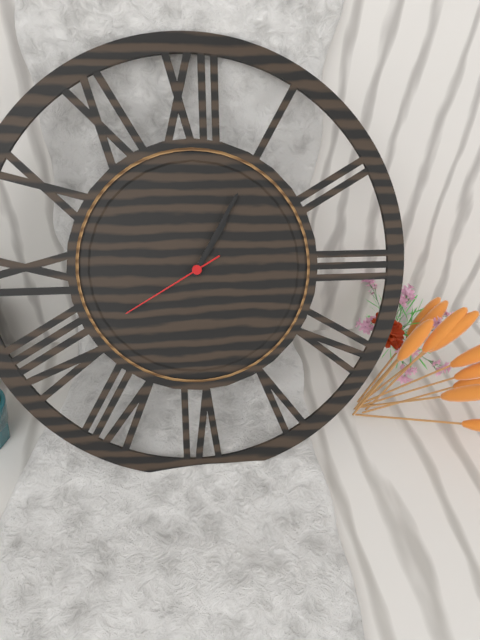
1 h 05 min 40 s
